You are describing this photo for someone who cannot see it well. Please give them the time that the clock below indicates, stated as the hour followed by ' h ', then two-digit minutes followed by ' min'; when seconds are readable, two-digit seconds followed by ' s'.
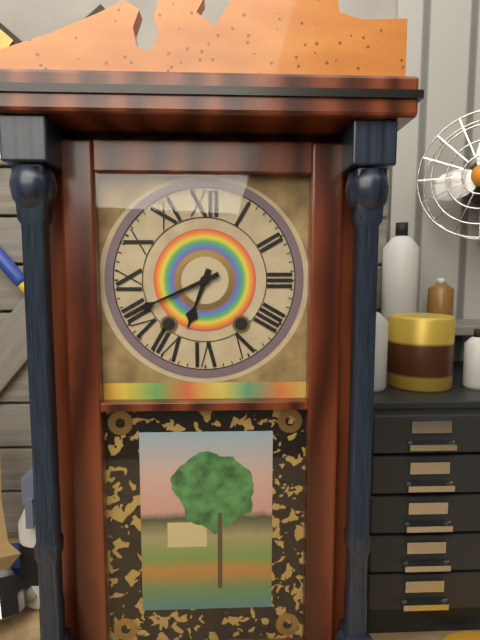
6 h 41 min
